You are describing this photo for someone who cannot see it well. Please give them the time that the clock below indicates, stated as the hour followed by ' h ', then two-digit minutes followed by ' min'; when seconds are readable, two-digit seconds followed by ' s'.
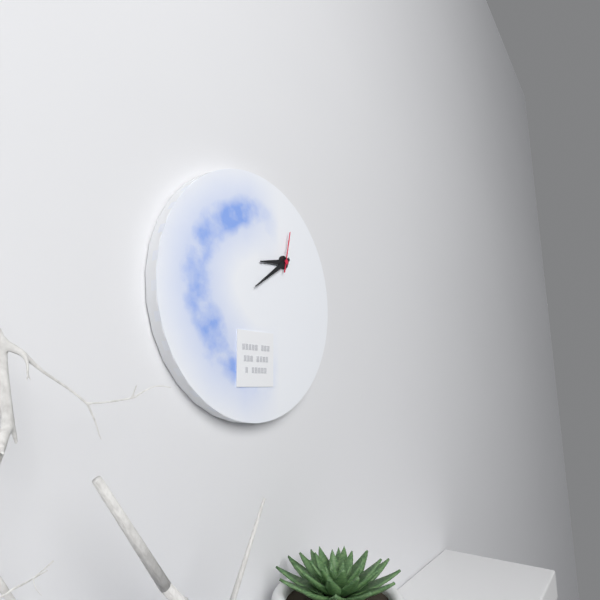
8 h 39 min
